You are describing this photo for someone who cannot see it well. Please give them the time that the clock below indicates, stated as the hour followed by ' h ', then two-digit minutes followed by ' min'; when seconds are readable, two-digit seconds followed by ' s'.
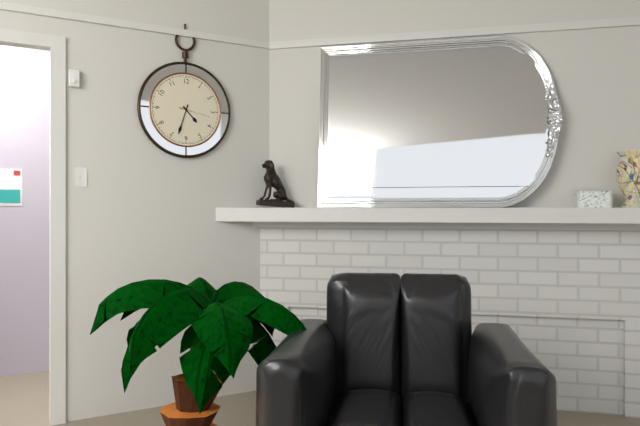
4 h 33 min
